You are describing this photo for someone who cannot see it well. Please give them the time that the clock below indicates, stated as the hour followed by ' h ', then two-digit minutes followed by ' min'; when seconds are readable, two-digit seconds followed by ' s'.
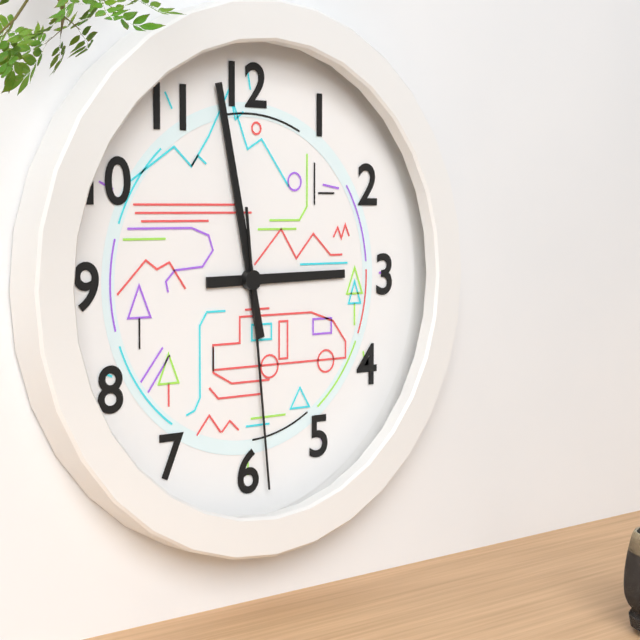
2 h 58 min 29 s
